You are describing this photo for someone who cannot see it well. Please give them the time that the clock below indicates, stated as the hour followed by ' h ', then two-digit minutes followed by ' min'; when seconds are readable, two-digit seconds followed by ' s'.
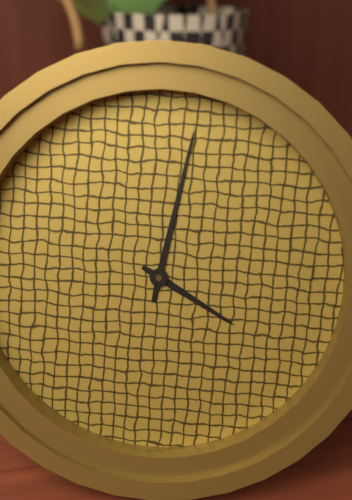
4 h 02 min
